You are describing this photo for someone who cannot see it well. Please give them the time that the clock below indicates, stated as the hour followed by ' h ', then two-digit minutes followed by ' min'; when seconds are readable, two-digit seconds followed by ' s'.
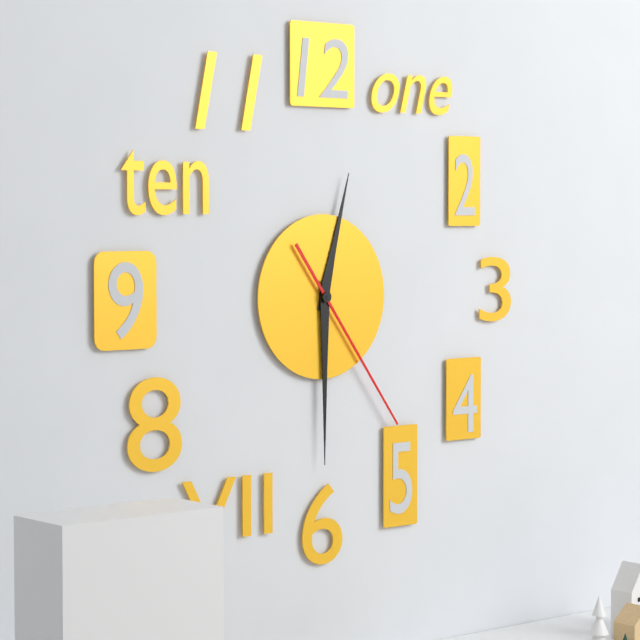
12 h 30 min 24 s
